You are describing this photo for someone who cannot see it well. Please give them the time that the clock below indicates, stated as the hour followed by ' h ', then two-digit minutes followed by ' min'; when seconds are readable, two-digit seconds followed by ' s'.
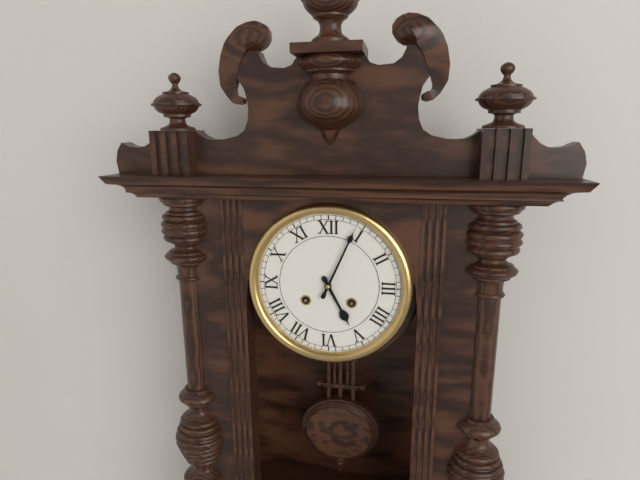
5 h 04 min
